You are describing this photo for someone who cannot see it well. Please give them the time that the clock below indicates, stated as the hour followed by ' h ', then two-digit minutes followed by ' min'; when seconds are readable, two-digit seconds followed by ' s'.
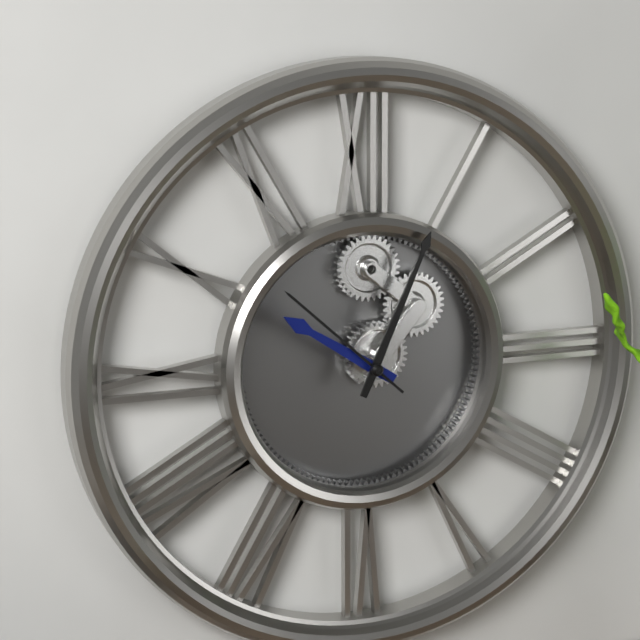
10 h 04 min 52 s
